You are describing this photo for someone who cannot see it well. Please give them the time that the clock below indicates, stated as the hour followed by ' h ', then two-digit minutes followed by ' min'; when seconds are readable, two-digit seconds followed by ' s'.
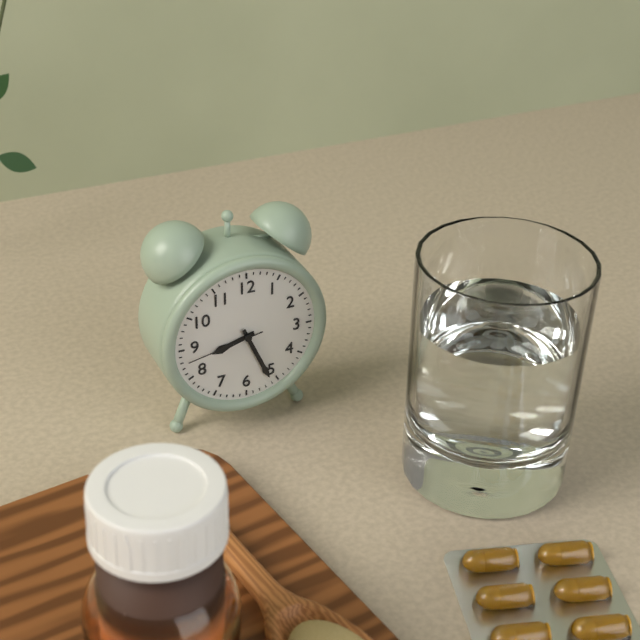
8 h 26 min 43 s
